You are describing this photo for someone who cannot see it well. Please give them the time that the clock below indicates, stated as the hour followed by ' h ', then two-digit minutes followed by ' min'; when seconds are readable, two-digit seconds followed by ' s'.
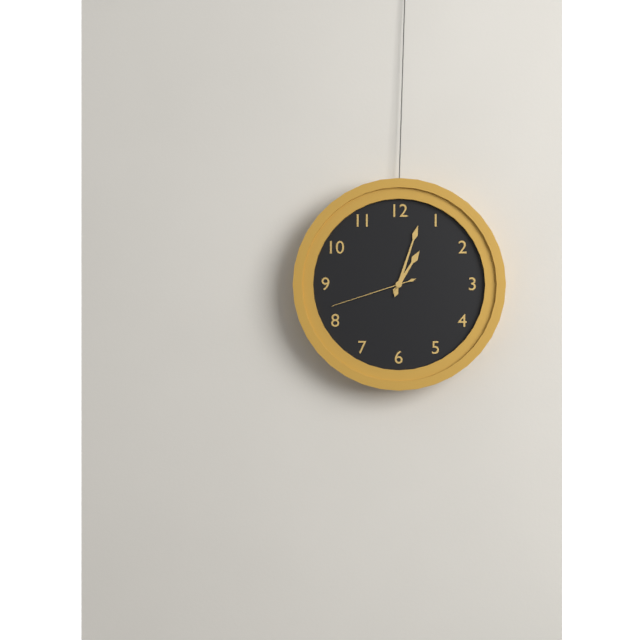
1 h 03 min 42 s
